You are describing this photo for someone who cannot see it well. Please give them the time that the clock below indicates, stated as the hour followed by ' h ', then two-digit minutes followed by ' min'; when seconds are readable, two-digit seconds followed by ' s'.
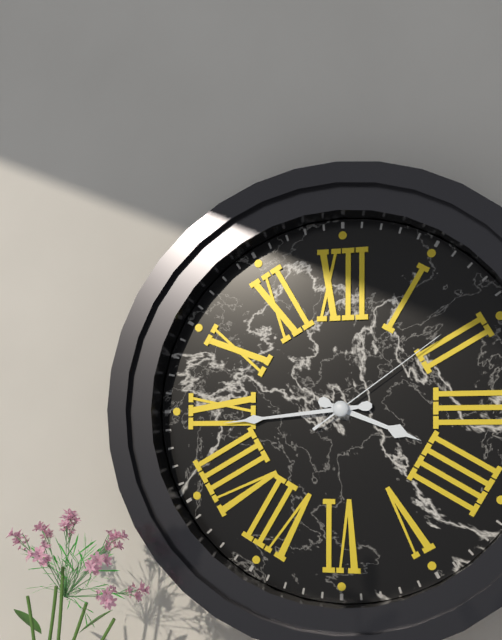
3 h 44 min 09 s
